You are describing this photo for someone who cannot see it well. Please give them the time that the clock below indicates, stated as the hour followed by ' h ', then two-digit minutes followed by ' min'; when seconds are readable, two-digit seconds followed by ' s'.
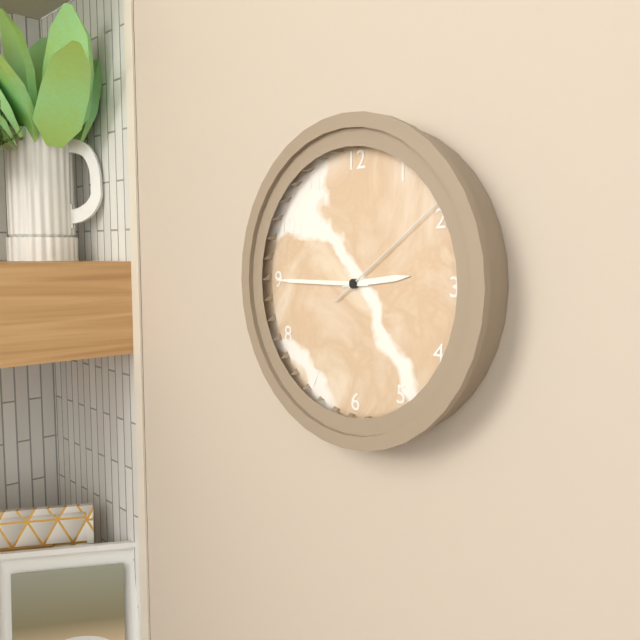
2 h 45 min 09 s
